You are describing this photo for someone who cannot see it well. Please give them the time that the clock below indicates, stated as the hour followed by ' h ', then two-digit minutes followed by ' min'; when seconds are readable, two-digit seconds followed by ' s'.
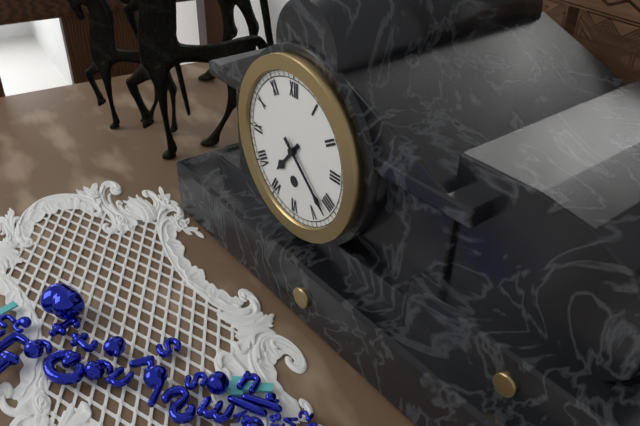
7 h 22 min
